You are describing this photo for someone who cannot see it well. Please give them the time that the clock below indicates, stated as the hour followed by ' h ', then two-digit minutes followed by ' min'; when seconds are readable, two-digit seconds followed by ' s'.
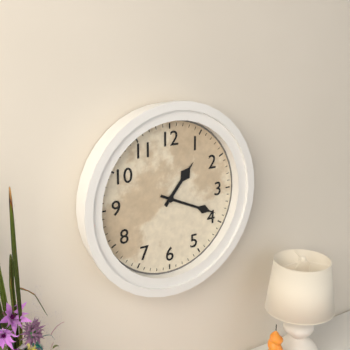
1 h 19 min
